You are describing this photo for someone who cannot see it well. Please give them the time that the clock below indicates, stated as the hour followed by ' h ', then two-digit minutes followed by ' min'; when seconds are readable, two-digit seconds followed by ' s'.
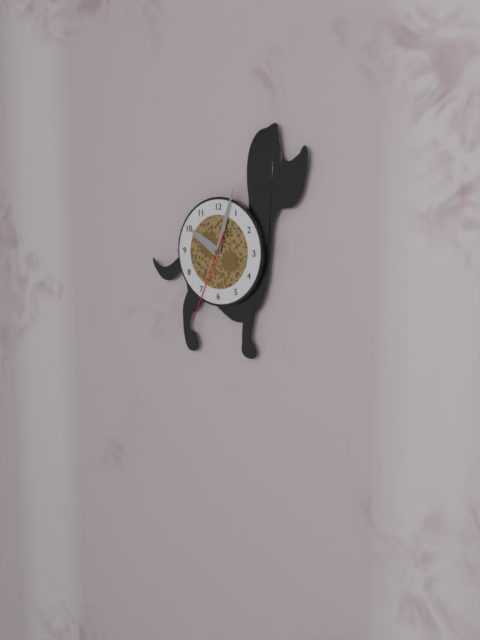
10 h 03 min 34 s
